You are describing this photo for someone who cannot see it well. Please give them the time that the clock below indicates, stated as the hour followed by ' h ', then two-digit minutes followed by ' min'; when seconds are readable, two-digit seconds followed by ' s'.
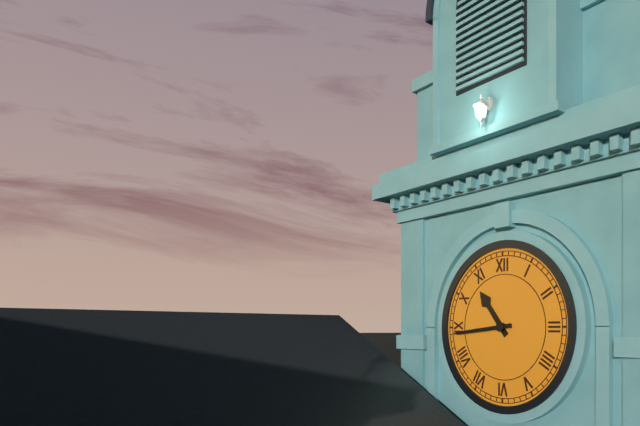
10 h 44 min
